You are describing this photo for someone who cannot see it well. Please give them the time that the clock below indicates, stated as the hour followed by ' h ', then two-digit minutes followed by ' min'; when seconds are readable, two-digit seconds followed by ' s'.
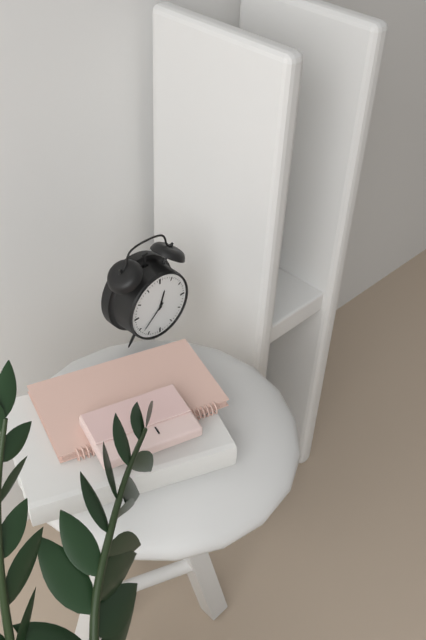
12 h 38 min
